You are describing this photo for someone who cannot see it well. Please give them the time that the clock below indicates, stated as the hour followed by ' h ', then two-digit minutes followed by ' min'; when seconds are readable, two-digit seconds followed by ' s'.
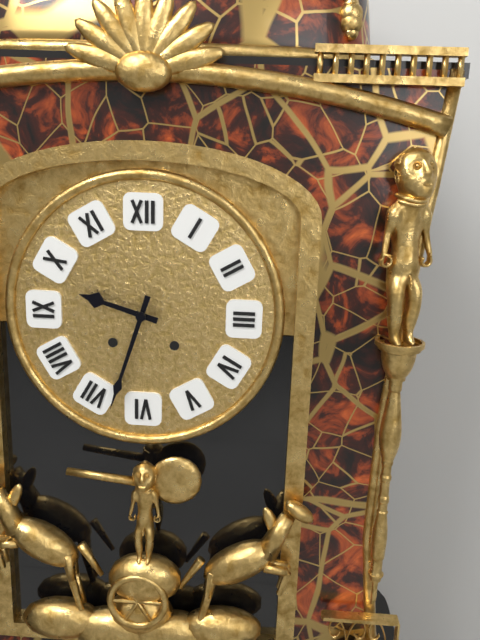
9 h 33 min
